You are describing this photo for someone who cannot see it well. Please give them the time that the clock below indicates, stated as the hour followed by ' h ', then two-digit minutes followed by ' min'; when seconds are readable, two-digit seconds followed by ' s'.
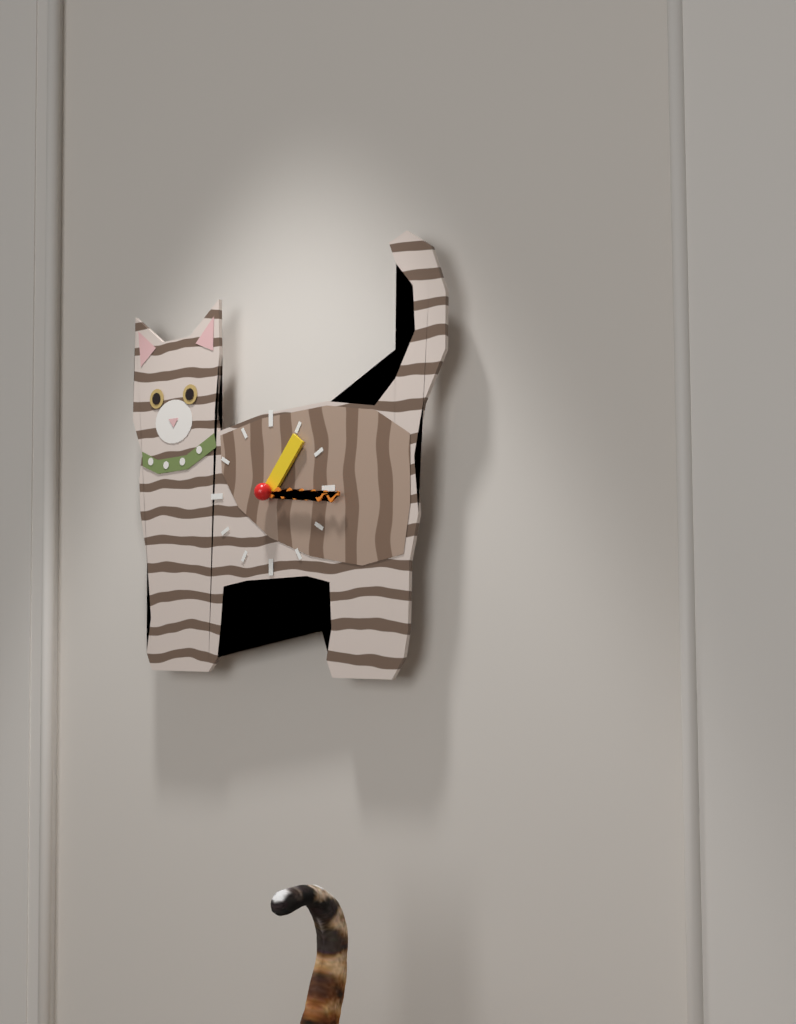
1 h 16 min
